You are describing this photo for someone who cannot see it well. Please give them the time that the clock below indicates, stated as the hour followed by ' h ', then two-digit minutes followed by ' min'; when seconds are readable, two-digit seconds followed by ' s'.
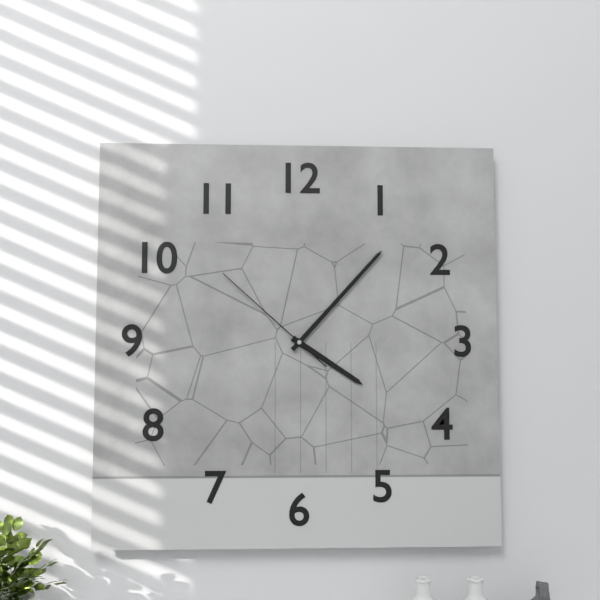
4 h 07 min 52 s
